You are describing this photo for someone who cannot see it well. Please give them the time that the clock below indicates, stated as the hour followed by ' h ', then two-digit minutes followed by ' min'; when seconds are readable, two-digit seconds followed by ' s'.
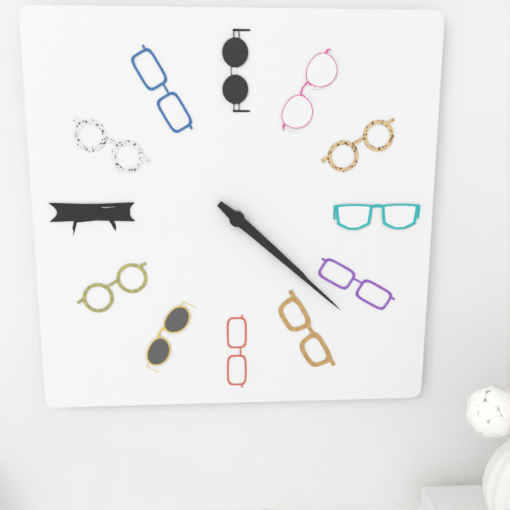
4 h 22 min
